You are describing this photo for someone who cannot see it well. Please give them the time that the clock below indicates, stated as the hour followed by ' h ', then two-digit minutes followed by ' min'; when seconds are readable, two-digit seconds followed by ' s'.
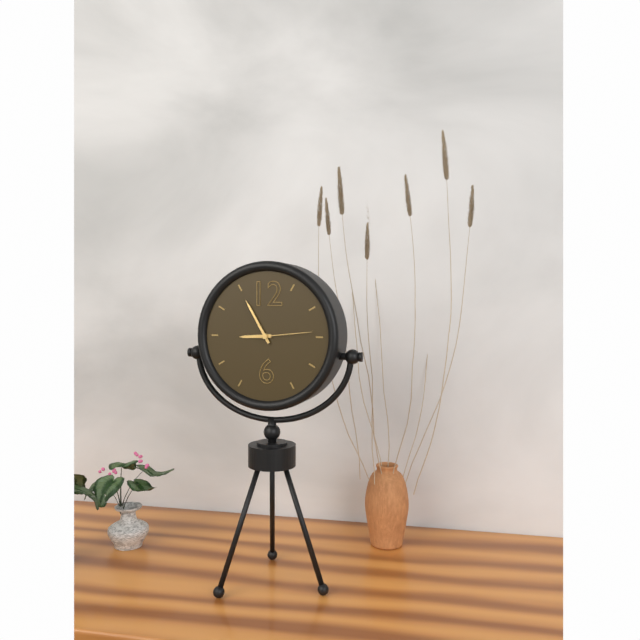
8 h 55 min 14 s
